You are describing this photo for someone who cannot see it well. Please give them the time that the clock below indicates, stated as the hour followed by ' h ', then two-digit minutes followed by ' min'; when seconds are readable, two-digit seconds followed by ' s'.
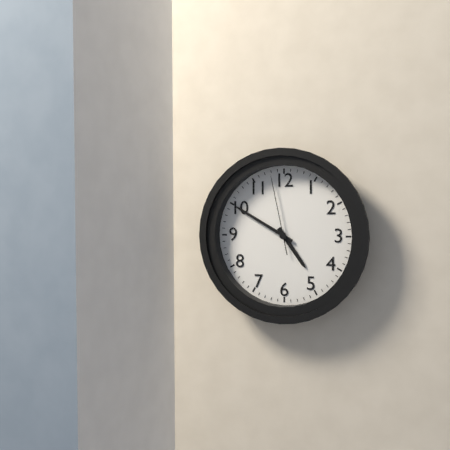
4 h 50 min 58 s
